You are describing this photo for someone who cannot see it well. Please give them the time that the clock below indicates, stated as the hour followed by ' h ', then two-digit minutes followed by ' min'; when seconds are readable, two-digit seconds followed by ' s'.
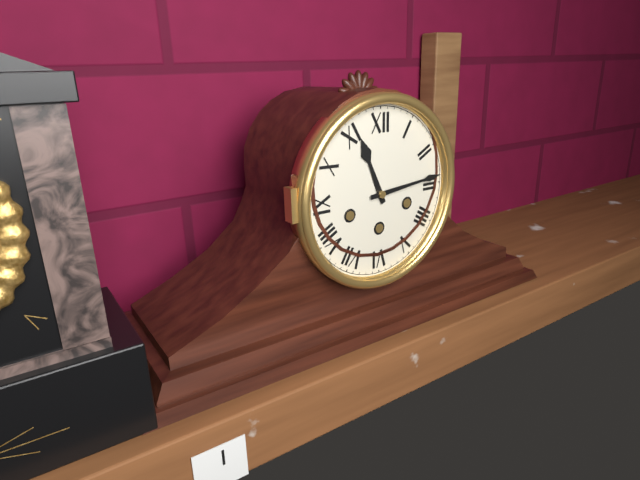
11 h 14 min
